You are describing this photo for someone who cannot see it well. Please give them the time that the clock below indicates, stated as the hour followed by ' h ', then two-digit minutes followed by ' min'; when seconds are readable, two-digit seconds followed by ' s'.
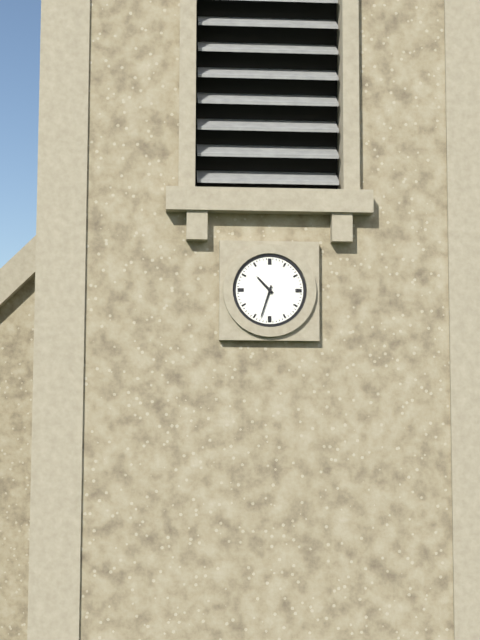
10 h 33 min
